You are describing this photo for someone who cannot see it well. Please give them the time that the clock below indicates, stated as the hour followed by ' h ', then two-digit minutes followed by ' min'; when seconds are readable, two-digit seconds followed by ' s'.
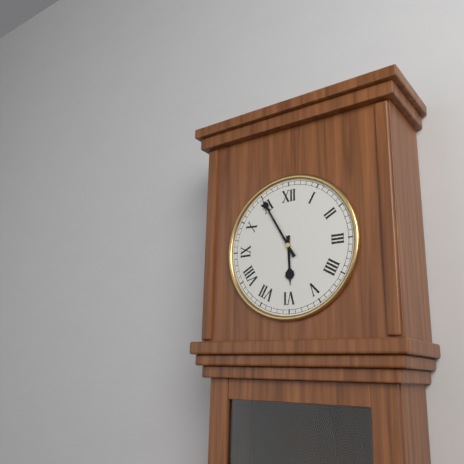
5 h 55 min
